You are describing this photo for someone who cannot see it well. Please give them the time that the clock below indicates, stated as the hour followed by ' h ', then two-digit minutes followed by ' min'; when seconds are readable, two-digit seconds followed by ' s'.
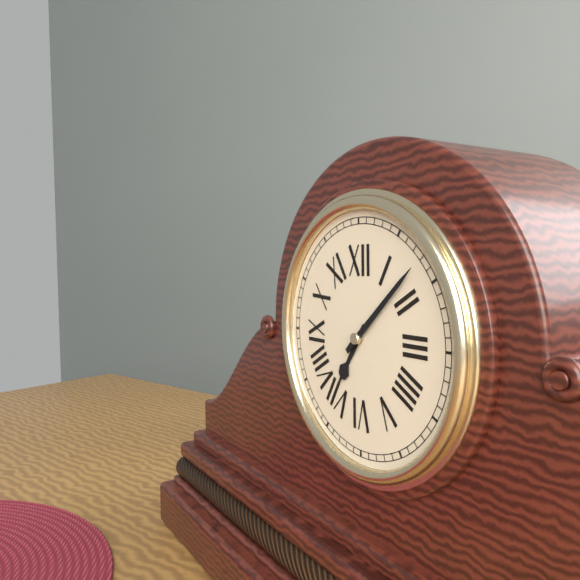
7 h 08 min
